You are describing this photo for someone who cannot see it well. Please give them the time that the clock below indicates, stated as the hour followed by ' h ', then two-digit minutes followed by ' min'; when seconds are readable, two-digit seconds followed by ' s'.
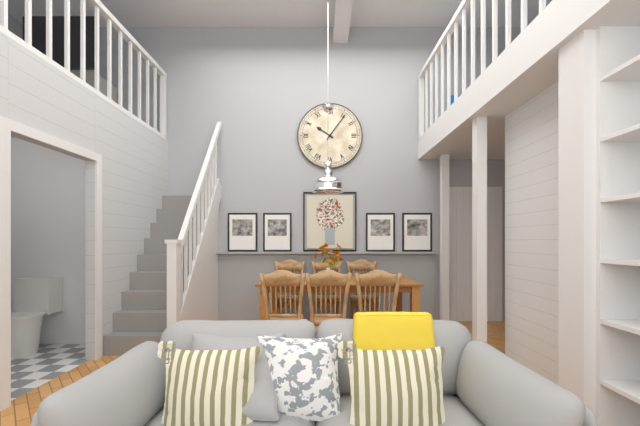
10 h 06 min
